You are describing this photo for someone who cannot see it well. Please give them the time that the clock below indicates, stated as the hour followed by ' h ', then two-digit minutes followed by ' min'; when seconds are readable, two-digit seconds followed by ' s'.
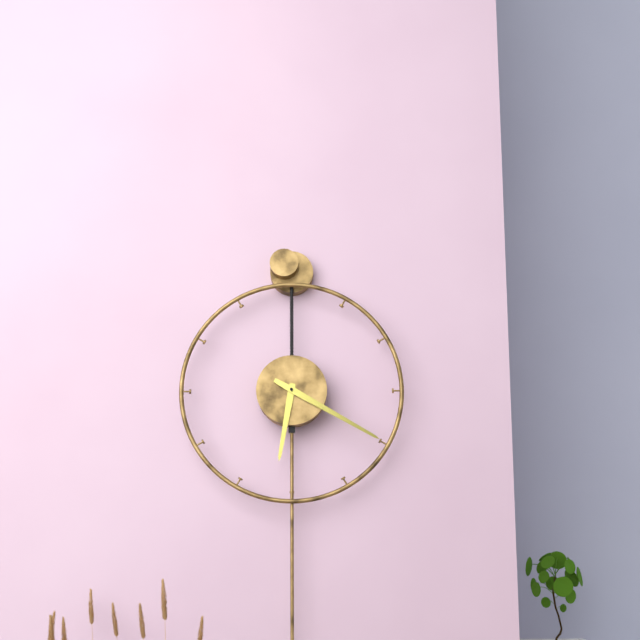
6 h 20 min
